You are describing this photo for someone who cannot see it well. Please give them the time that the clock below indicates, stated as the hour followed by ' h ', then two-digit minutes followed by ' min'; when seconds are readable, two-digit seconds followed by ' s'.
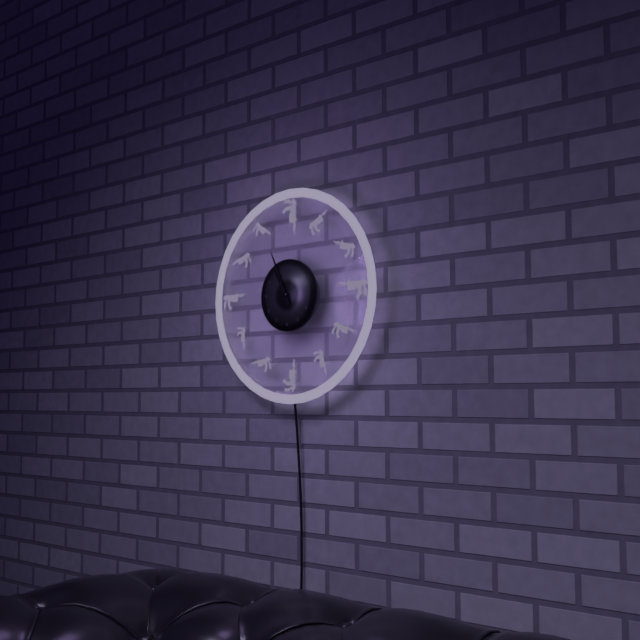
10 h 56 min
